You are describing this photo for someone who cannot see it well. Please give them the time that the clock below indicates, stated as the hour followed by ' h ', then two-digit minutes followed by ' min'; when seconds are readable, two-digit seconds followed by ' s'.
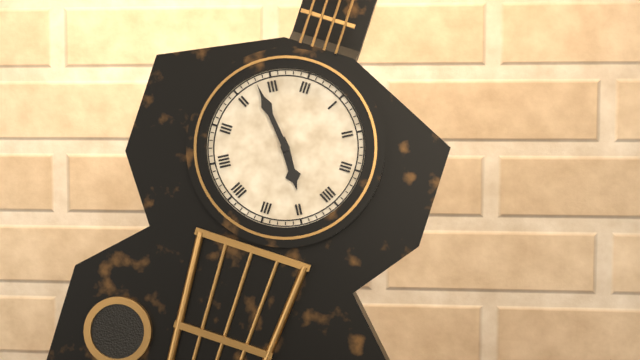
4 h 53 min
